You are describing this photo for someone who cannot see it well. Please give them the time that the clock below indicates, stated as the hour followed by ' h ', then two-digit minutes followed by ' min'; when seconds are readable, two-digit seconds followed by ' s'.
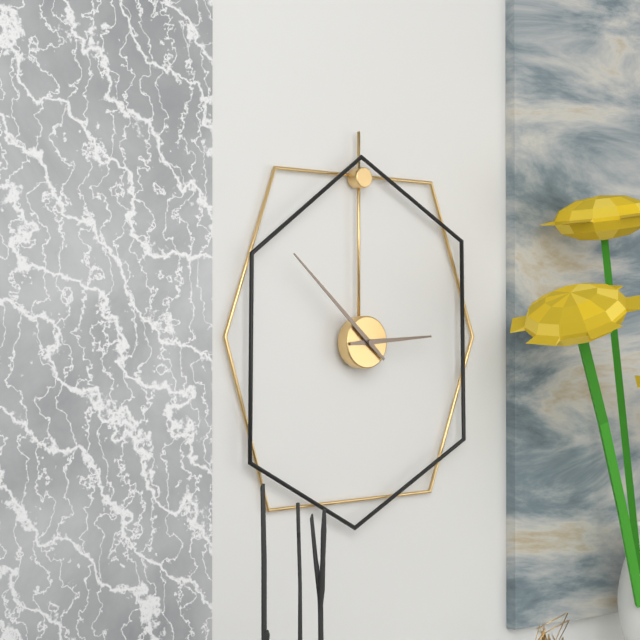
2 h 52 min
